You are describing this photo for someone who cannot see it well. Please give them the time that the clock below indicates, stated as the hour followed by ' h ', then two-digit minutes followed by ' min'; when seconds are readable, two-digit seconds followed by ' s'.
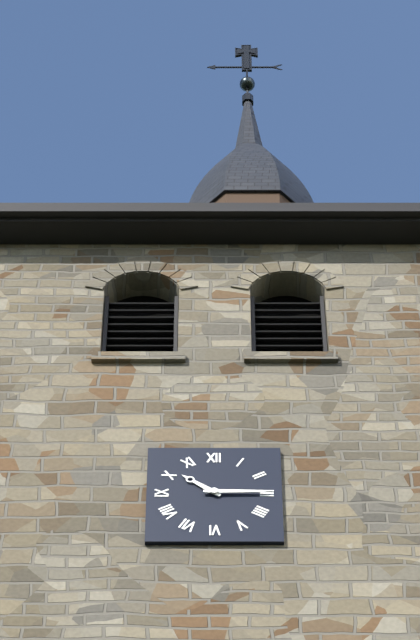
10 h 15 min
